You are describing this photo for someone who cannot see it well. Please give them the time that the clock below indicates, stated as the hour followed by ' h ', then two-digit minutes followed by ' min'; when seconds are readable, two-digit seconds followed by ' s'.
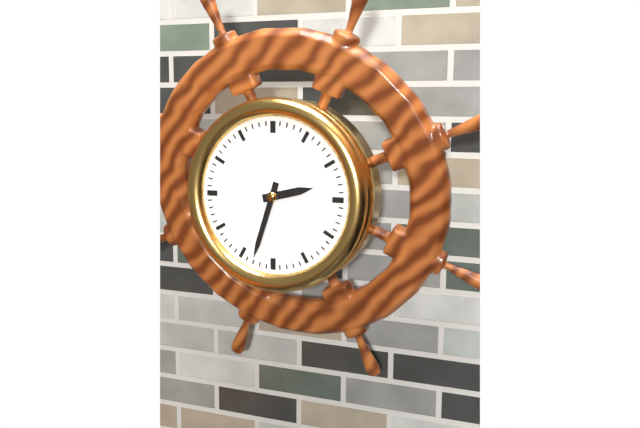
2 h 33 min
